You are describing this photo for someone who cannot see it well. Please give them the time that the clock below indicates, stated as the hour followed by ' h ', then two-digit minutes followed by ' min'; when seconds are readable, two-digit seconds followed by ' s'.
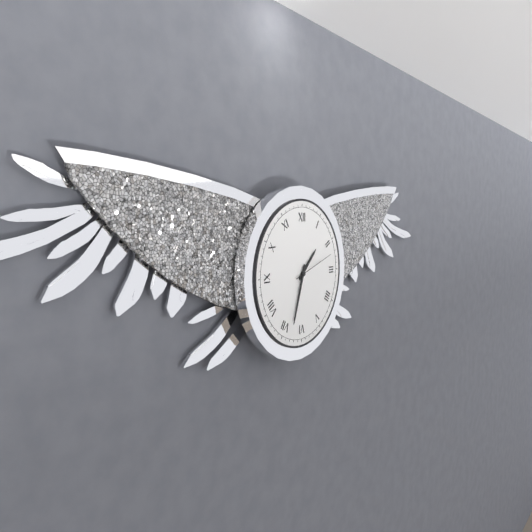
1 h 33 min 12 s
